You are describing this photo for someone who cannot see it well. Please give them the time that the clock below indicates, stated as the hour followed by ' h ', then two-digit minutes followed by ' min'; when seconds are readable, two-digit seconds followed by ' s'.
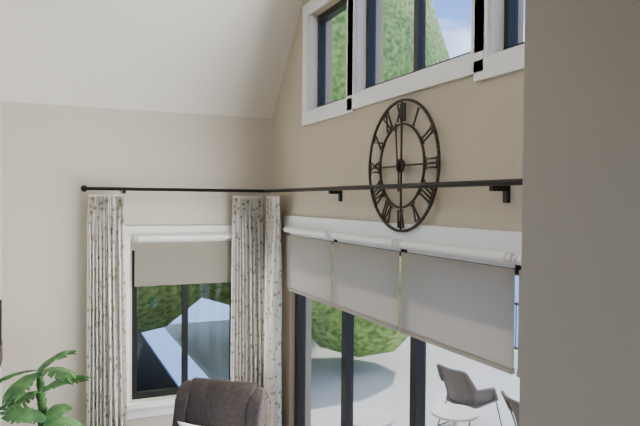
5 h 59 min
